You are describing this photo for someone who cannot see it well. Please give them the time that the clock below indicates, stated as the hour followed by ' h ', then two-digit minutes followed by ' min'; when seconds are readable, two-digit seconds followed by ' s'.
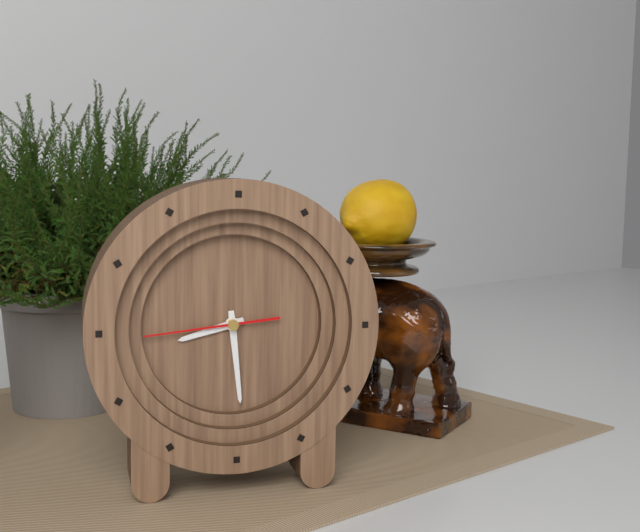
8 h 29 min 44 s
